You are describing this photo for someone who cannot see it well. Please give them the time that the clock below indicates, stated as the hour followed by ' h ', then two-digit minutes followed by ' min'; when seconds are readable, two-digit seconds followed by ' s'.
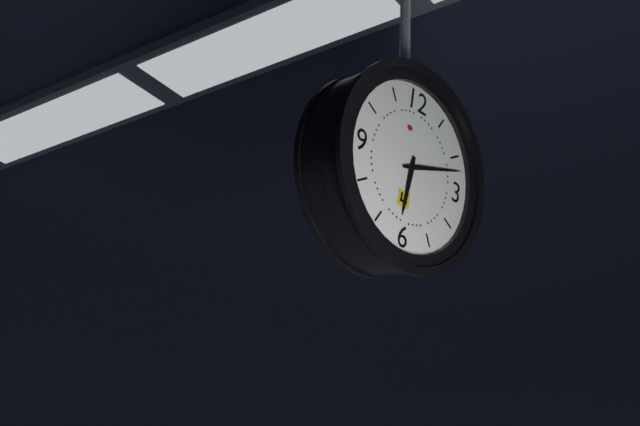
6 h 12 min
